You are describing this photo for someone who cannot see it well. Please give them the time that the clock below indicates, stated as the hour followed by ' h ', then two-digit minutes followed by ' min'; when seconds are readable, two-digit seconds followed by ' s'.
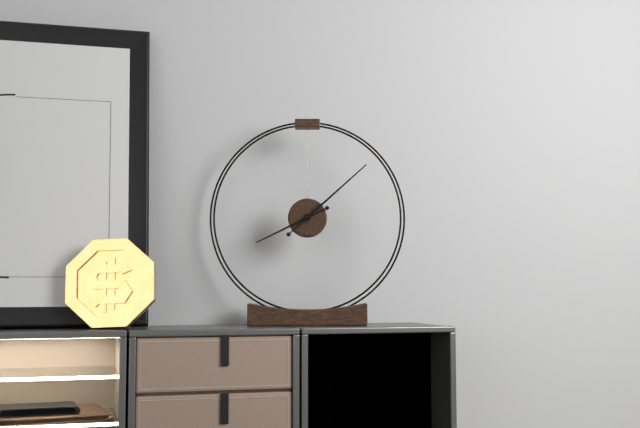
8 h 08 min
